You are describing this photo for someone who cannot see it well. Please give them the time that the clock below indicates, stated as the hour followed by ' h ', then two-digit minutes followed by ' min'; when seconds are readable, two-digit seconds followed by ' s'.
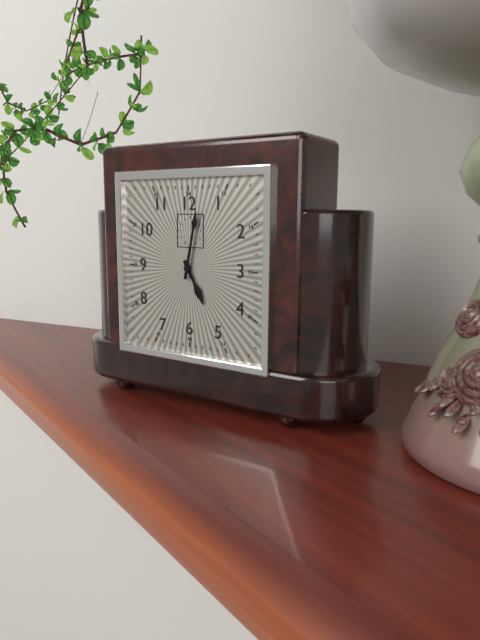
5 h 02 min
